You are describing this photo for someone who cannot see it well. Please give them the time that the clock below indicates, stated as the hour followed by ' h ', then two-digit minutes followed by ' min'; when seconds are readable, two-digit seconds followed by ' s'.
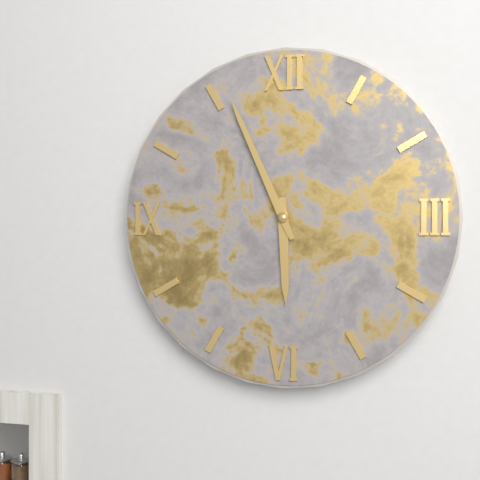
5 h 56 min
